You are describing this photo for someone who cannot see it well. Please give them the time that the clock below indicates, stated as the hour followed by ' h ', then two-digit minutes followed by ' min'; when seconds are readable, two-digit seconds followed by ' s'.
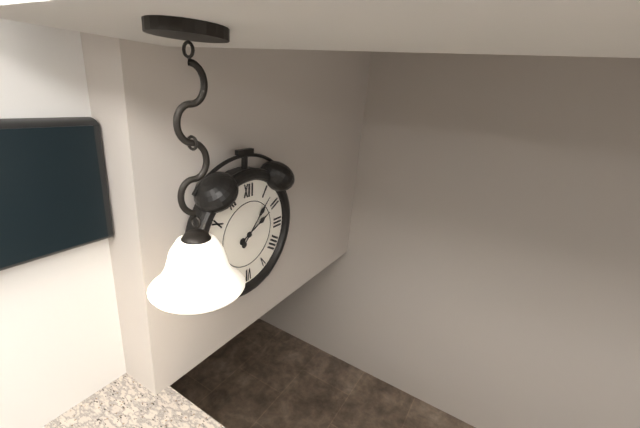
2 h 07 min
